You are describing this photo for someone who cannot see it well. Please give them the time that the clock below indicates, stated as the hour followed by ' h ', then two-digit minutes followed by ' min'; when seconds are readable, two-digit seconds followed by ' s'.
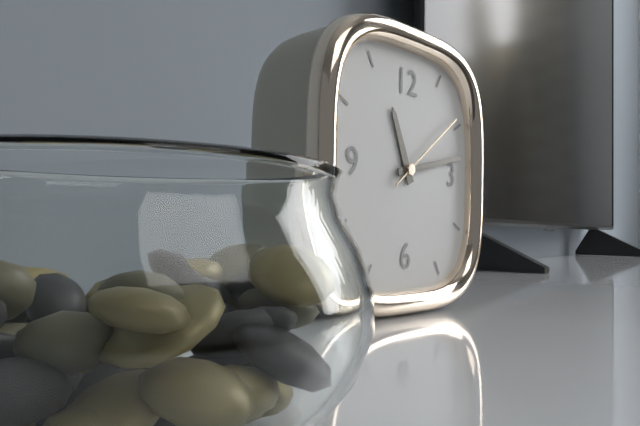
11 h 13 min 09 s
